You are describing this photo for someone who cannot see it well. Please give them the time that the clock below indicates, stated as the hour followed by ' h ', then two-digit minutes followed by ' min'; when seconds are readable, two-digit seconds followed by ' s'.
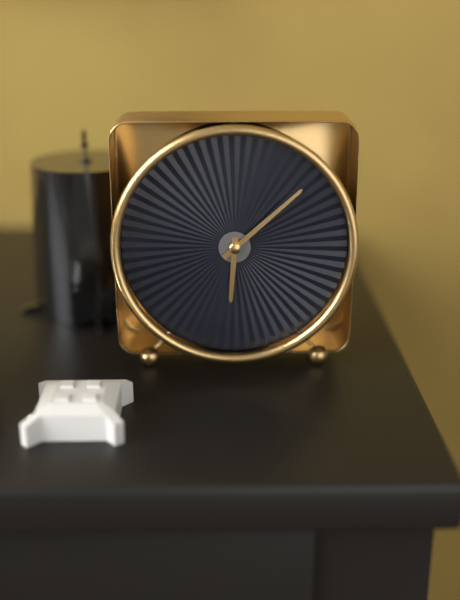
6 h 08 min
